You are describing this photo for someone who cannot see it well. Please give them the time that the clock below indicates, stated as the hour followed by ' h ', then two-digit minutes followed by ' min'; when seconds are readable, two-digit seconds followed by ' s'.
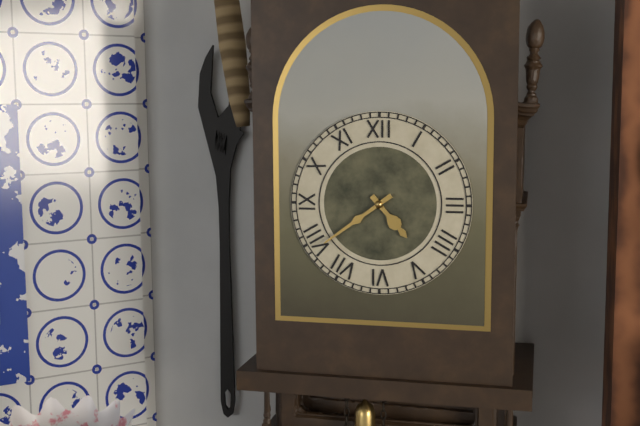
4 h 39 min
